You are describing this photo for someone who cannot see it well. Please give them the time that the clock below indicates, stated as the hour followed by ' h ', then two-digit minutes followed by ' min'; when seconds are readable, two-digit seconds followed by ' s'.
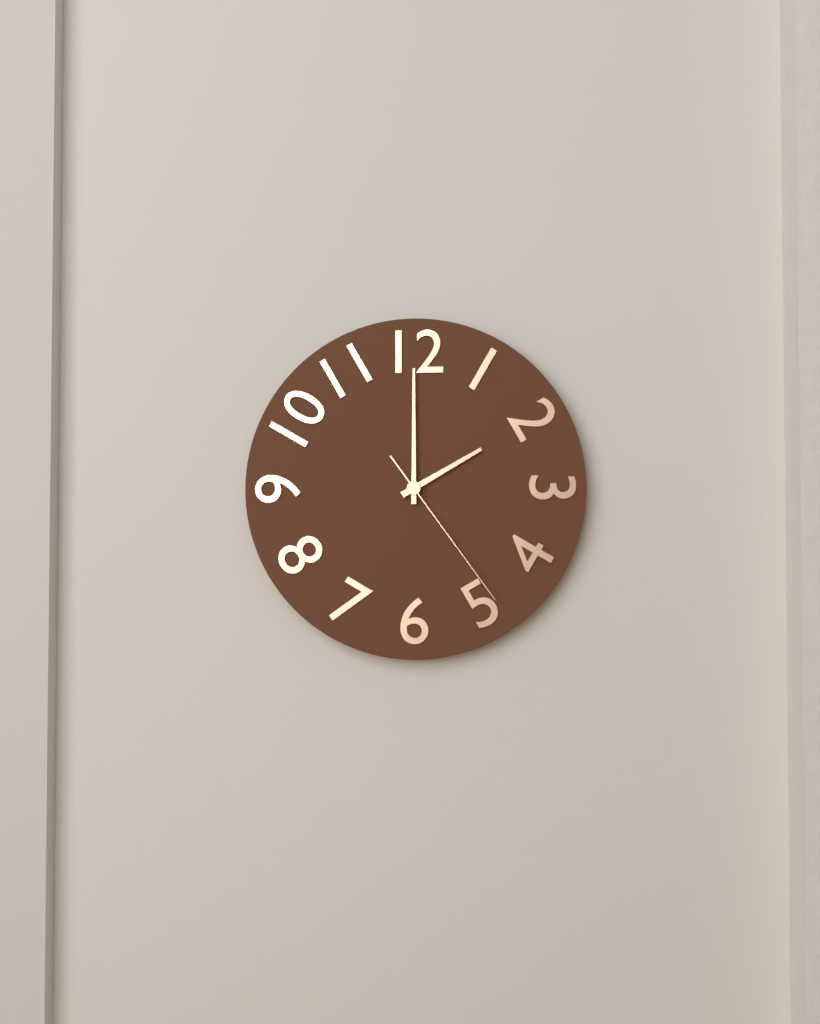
2 h 00 min 24 s
